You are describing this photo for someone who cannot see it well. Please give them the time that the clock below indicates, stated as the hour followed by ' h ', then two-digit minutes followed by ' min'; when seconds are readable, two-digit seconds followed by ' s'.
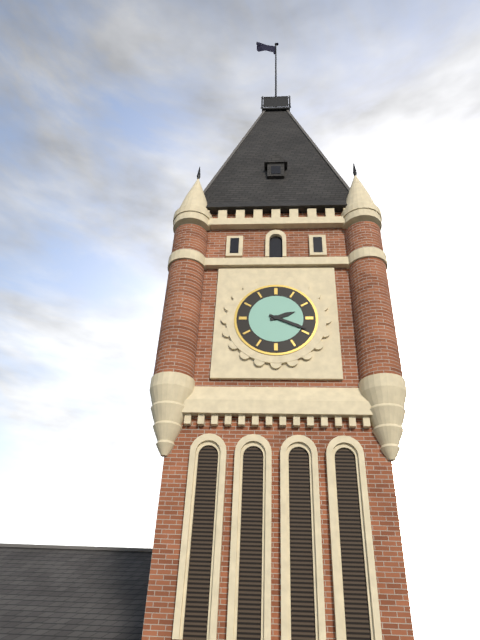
2 h 19 min
